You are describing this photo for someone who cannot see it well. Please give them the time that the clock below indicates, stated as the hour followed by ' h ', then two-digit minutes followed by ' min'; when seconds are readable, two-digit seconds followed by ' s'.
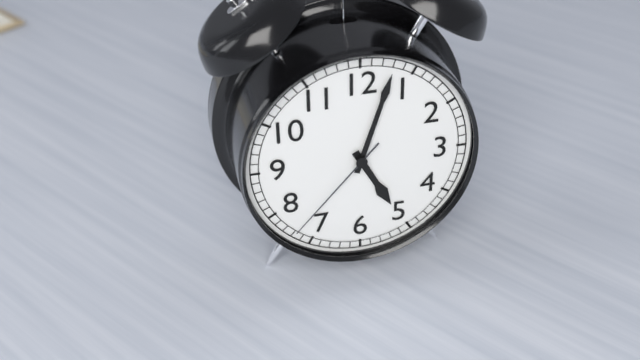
5 h 03 min 37 s
